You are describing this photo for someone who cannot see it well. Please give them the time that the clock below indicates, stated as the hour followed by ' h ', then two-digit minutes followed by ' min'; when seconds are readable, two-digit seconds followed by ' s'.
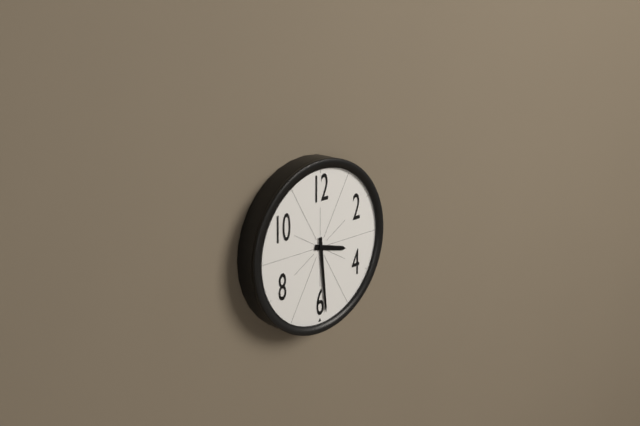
3 h 29 min
